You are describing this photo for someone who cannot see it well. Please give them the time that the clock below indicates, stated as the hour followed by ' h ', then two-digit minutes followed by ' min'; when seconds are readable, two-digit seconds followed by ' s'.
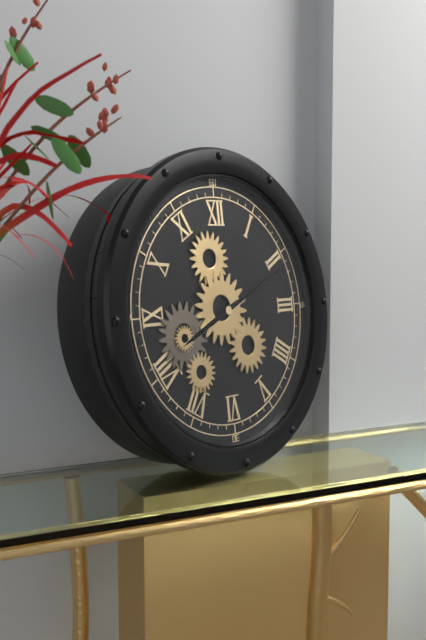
8 h 11 min
